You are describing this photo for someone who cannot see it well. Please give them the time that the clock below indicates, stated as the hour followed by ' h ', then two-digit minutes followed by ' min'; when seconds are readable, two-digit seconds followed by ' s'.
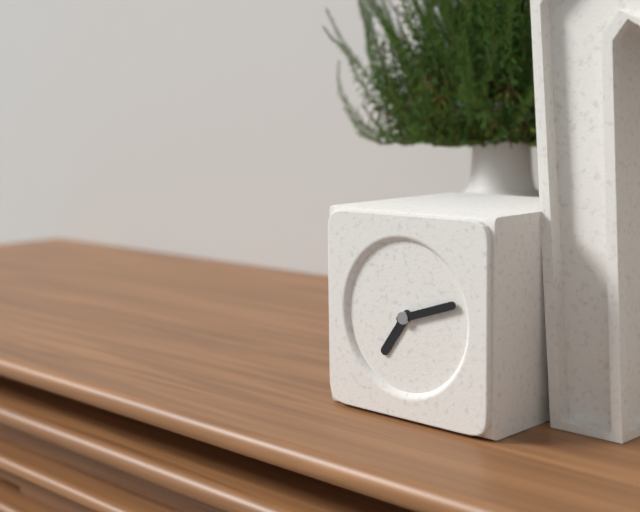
7 h 12 min
